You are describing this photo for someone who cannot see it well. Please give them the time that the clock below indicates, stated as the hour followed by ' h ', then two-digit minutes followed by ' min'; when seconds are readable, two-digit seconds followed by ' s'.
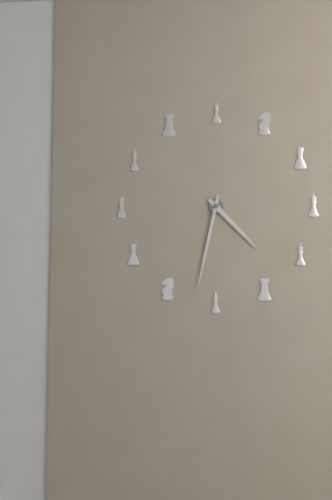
4 h 32 min
